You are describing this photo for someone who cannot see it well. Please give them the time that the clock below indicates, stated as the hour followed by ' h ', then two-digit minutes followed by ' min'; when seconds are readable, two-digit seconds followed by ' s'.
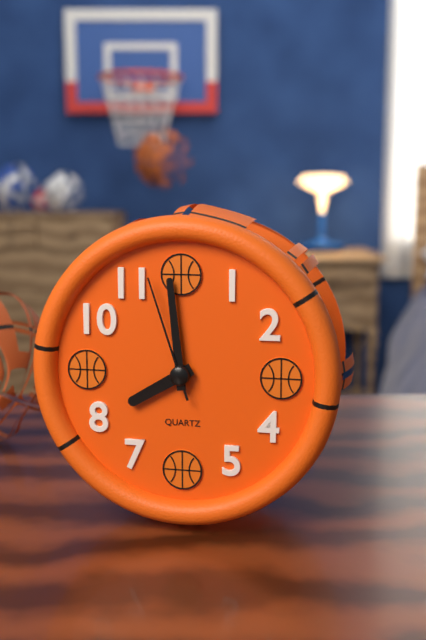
7 h 59 min 57 s
